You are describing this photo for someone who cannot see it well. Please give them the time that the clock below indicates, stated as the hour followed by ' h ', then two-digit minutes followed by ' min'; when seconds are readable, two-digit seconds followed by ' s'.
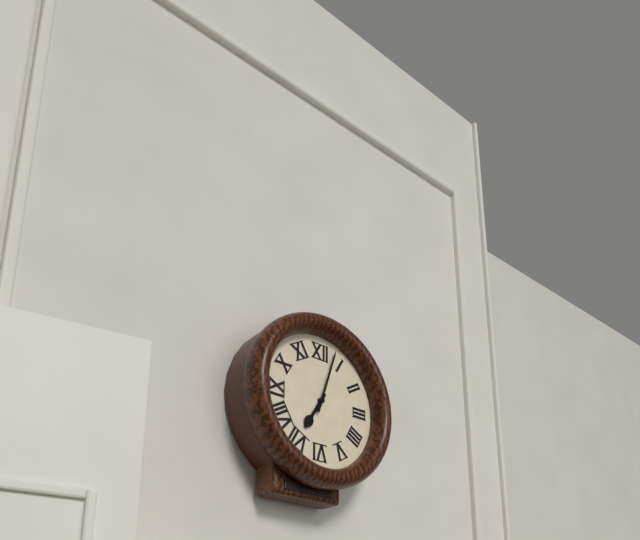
7 h 03 min
